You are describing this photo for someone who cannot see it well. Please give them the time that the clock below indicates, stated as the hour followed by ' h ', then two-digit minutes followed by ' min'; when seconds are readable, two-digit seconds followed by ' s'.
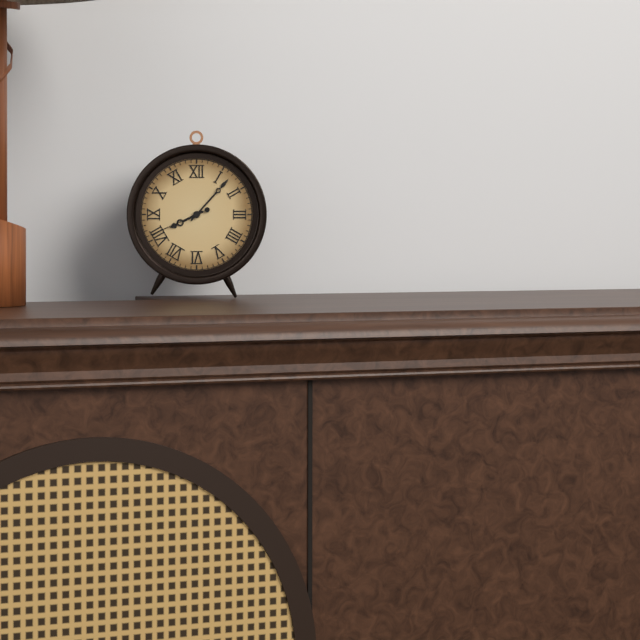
8 h 07 min 41 s
